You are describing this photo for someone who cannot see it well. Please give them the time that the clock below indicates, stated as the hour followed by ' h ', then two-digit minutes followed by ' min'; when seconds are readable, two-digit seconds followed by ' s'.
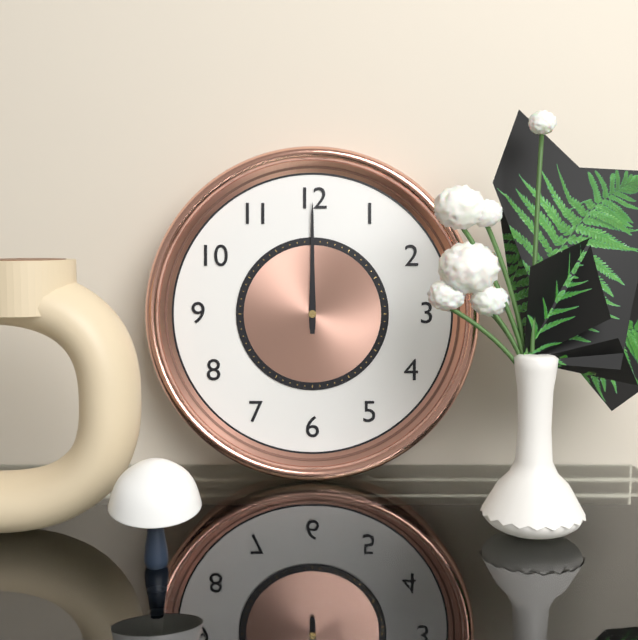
12 h 00 min
